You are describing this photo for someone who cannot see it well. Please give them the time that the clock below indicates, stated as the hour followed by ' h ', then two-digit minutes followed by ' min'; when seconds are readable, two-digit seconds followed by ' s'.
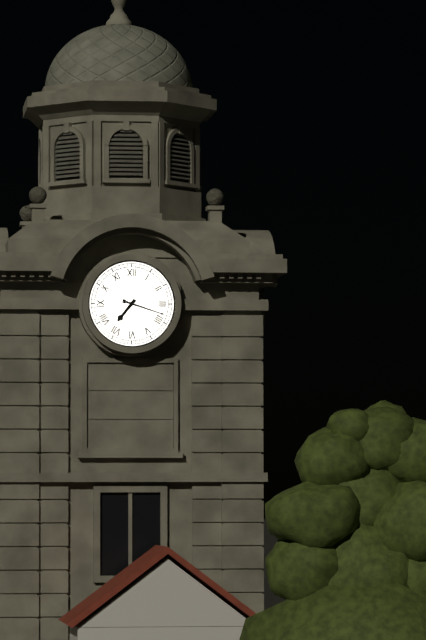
7 h 18 min
